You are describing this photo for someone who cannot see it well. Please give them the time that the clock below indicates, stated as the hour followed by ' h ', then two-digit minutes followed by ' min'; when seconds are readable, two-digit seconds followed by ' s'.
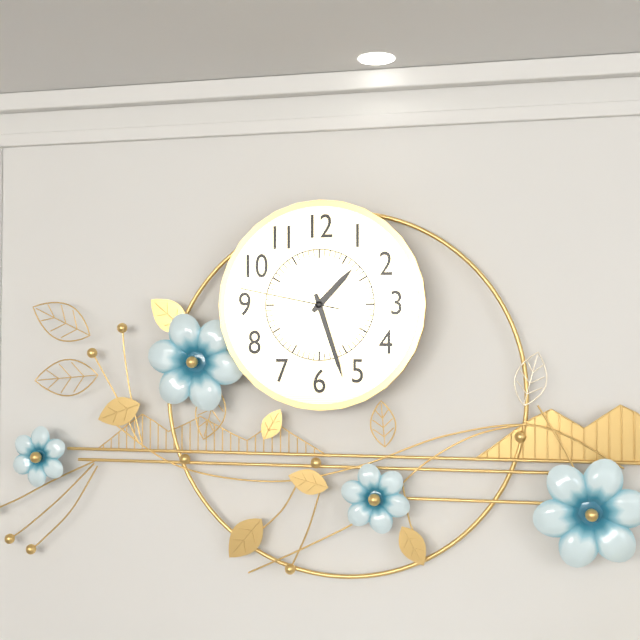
1 h 27 min 47 s
